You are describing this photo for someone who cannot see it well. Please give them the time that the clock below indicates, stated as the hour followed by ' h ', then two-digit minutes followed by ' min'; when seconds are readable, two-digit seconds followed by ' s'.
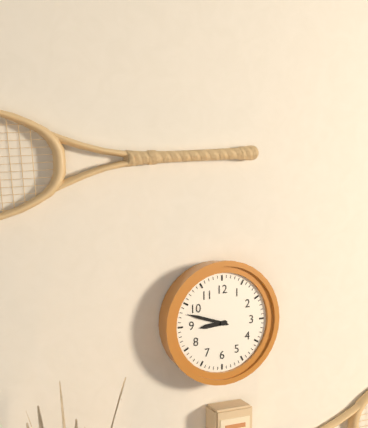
8 h 48 min
